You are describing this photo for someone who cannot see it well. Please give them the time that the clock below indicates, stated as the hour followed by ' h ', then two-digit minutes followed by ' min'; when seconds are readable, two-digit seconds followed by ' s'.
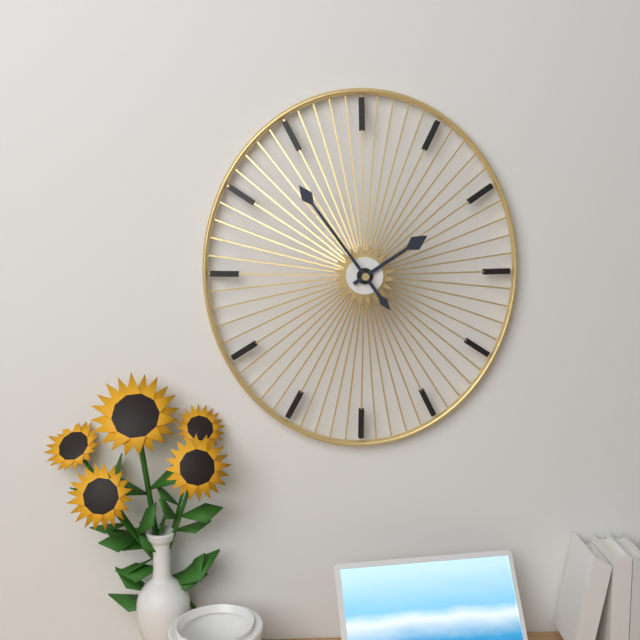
1 h 54 min
